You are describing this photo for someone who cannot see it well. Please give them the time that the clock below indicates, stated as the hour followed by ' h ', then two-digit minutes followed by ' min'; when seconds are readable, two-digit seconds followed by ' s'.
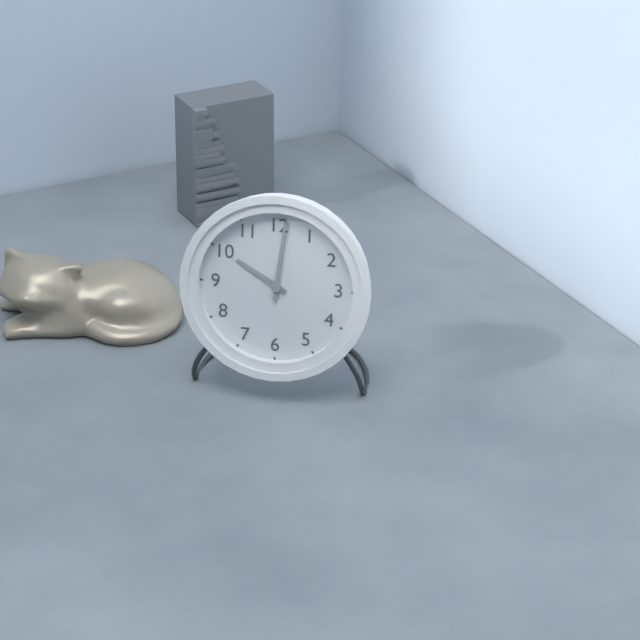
10 h 01 min
